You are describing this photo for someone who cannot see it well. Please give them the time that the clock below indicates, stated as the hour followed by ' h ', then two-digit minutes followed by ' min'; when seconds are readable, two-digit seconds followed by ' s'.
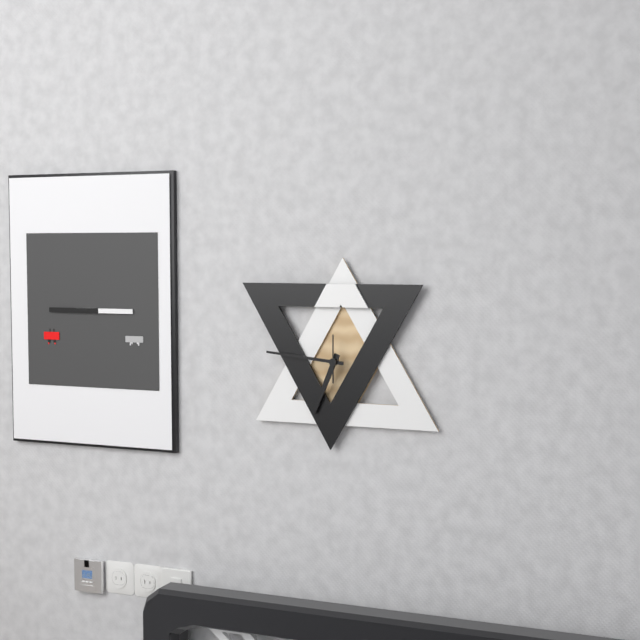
6 h 46 min
